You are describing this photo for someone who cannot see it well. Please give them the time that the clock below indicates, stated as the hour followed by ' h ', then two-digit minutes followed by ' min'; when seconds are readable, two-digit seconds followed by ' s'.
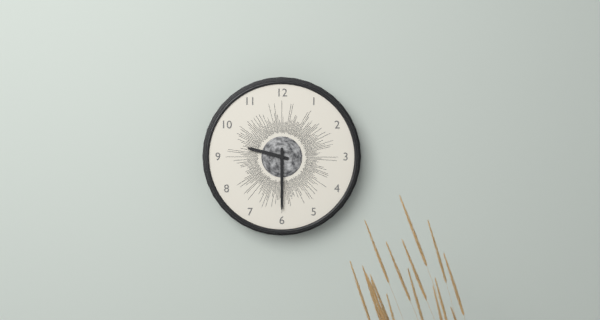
9 h 30 min
